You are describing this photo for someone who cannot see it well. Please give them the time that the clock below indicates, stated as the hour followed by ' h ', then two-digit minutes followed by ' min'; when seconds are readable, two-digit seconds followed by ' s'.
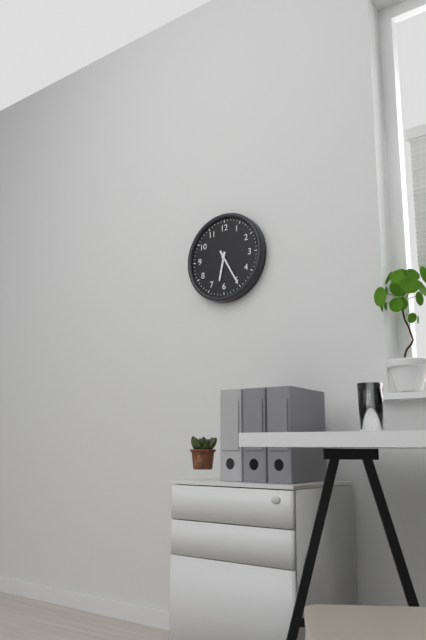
6 h 25 min
